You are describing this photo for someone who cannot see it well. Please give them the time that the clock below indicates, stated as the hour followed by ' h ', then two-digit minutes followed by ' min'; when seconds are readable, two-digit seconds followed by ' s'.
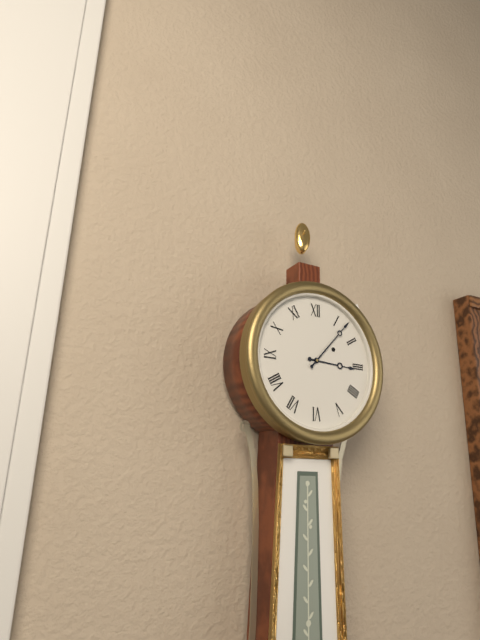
3 h 07 min
